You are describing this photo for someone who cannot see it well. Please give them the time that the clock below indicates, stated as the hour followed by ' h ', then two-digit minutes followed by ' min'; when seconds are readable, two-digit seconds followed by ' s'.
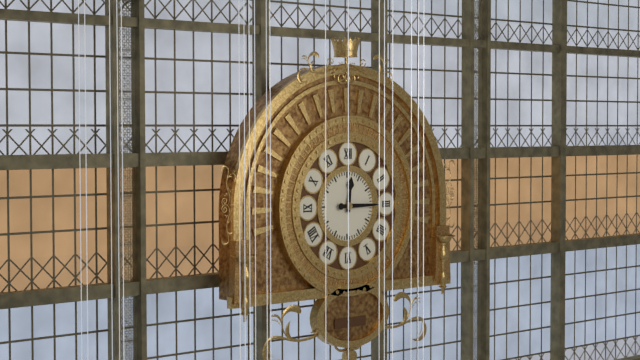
12 h 15 min
